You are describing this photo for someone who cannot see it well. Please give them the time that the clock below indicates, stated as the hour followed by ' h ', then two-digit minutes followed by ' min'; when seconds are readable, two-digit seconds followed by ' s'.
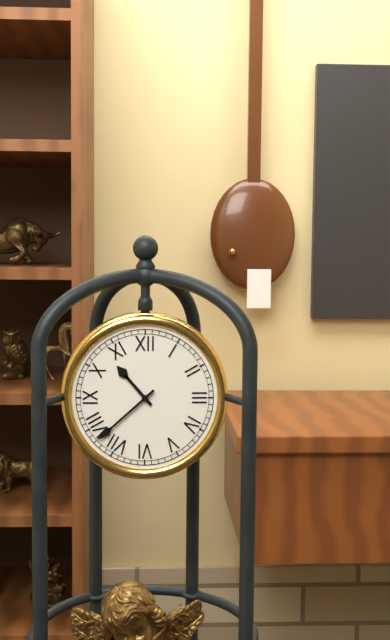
10 h 38 min
